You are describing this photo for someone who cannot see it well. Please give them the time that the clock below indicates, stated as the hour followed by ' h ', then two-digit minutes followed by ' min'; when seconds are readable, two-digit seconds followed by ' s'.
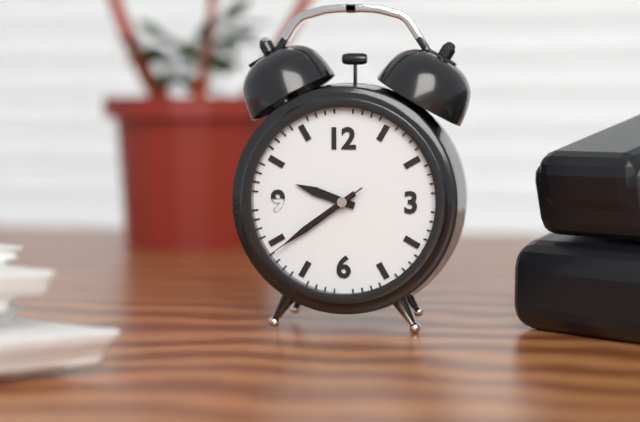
9 h 39 min 39 s
